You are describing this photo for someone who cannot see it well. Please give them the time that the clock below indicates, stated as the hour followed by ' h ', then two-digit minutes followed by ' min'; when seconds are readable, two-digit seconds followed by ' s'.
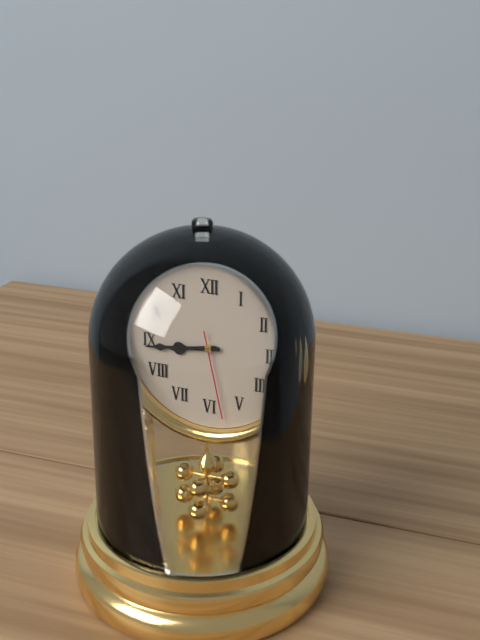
8 h 44 min 28 s
